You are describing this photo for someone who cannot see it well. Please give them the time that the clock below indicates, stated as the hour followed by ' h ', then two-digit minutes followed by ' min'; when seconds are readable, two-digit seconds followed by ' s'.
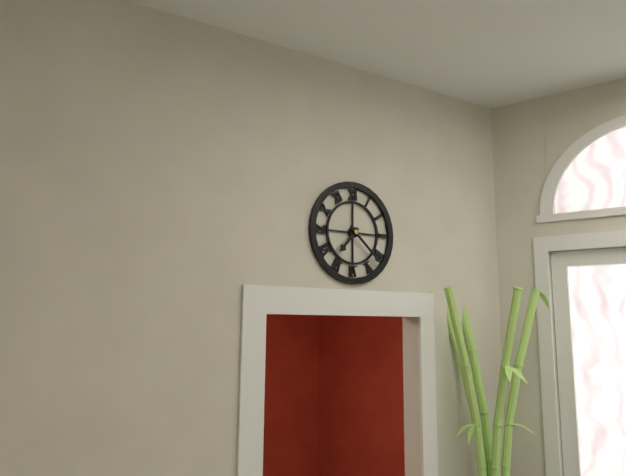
7 h 22 min
